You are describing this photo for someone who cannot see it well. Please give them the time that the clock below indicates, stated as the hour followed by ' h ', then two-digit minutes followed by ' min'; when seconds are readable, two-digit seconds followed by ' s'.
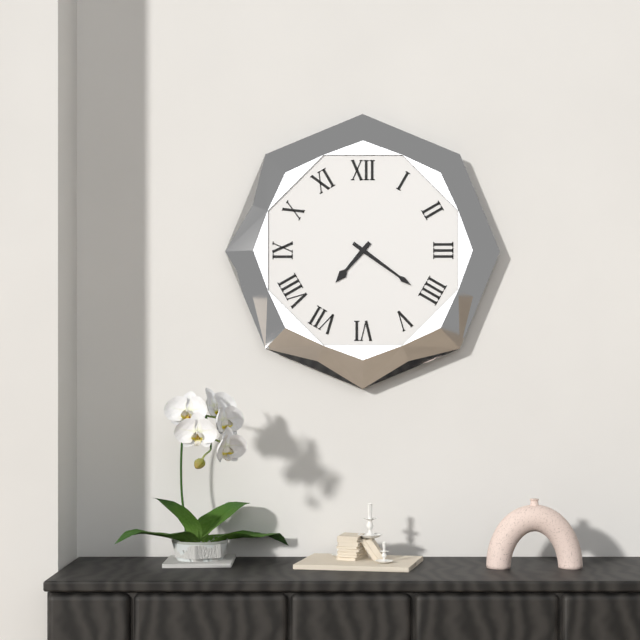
7 h 21 min
